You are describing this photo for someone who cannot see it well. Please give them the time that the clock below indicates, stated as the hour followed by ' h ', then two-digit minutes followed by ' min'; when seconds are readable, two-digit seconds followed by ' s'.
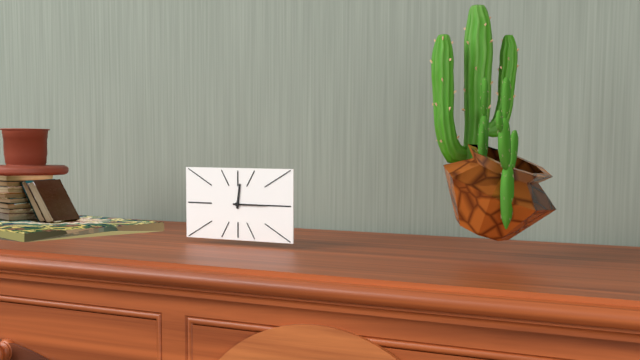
12 h 15 min
